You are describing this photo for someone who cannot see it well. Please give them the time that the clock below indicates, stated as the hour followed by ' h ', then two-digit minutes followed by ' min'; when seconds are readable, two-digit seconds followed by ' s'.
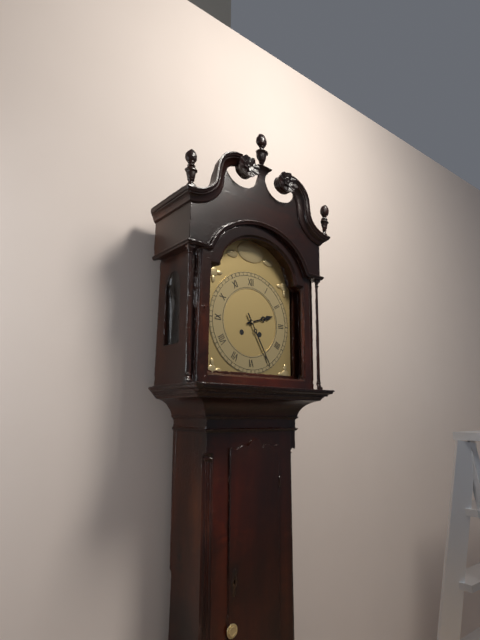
2 h 25 min
